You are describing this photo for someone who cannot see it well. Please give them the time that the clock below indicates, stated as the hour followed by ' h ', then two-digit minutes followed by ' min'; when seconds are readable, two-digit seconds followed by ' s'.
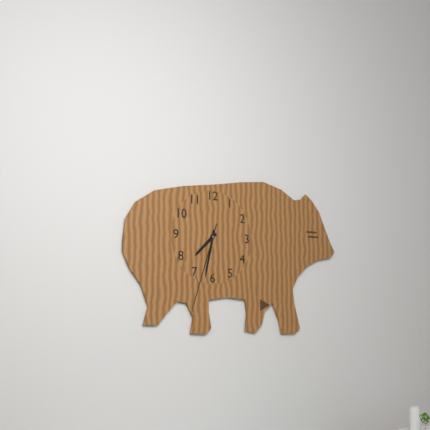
7 h 32 min 33 s
